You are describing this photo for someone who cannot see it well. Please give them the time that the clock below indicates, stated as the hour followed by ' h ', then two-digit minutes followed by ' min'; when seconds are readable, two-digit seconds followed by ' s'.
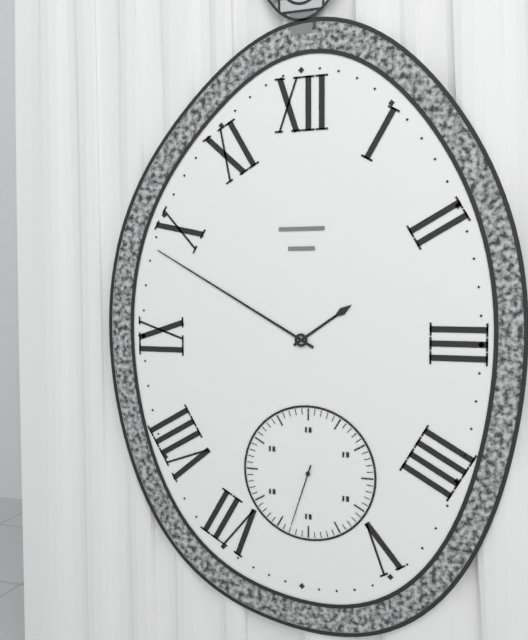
1 h 50 min 33 s
